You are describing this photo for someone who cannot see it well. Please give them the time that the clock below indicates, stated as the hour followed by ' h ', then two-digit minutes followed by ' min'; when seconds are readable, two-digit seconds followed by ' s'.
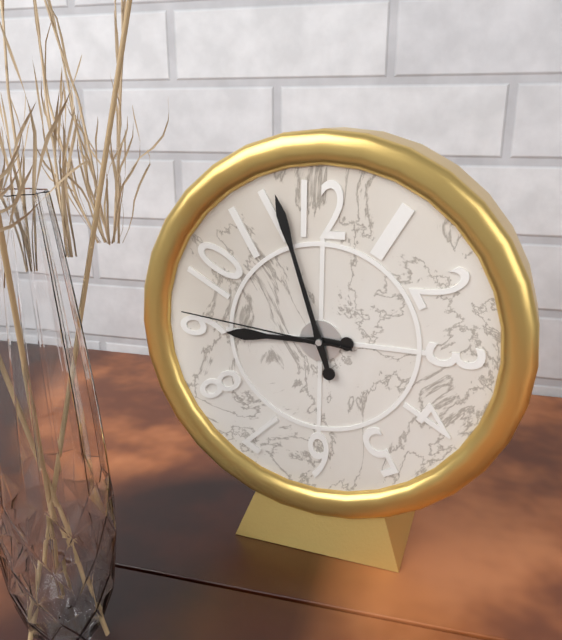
8 h 57 min 46 s
